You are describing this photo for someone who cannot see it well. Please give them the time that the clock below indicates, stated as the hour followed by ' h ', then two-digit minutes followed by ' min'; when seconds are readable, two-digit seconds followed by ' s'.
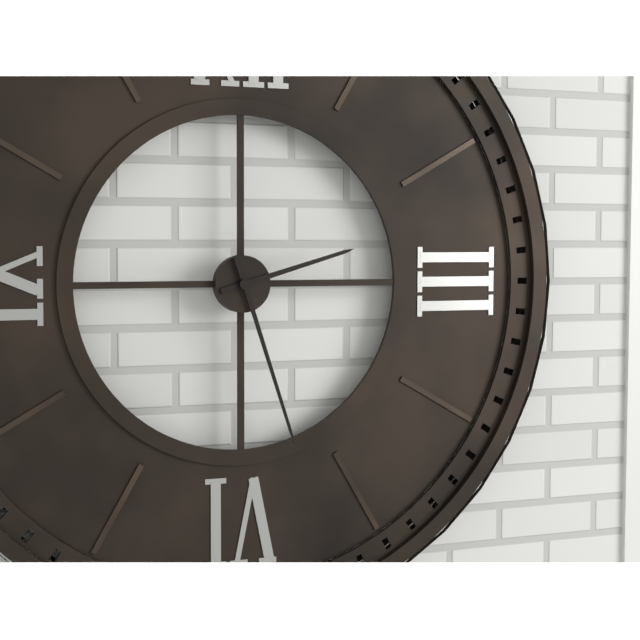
2 h 27 min
